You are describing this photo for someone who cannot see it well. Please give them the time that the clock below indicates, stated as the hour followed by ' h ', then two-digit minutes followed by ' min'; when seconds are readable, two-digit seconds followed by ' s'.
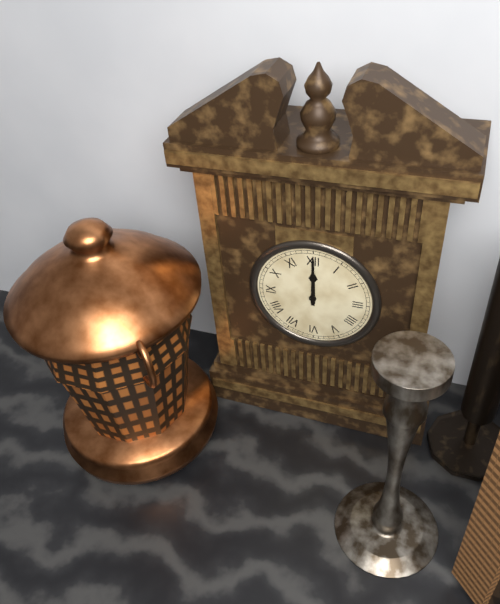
12 h 00 min
